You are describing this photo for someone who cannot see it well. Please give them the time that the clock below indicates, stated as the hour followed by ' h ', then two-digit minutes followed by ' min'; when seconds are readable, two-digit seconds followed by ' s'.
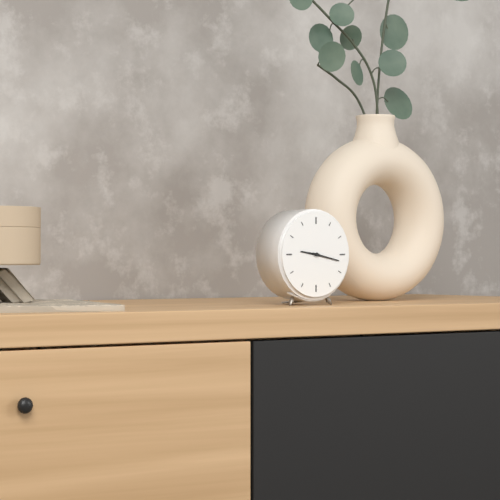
9 h 17 min
